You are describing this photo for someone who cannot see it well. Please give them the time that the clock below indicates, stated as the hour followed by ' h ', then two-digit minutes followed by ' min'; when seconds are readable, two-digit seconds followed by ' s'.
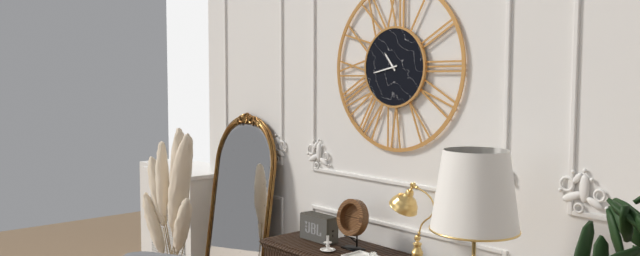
10 h 43 min
